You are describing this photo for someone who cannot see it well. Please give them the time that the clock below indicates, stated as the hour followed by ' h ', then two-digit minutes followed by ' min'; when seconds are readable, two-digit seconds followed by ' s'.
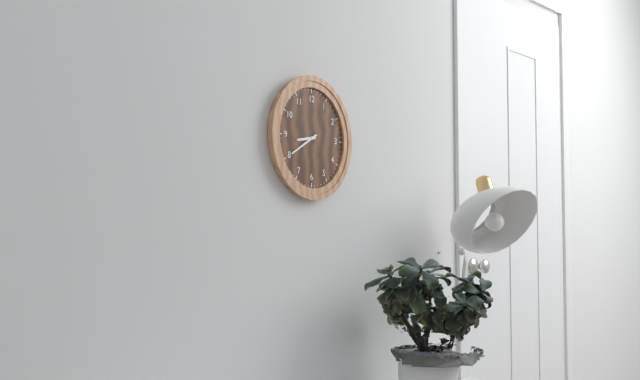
8 h 40 min
